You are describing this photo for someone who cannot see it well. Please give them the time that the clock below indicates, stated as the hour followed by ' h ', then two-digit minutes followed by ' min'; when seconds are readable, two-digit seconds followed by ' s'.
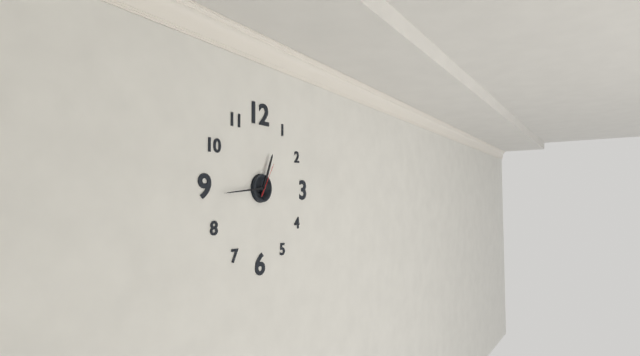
12 h 44 min
